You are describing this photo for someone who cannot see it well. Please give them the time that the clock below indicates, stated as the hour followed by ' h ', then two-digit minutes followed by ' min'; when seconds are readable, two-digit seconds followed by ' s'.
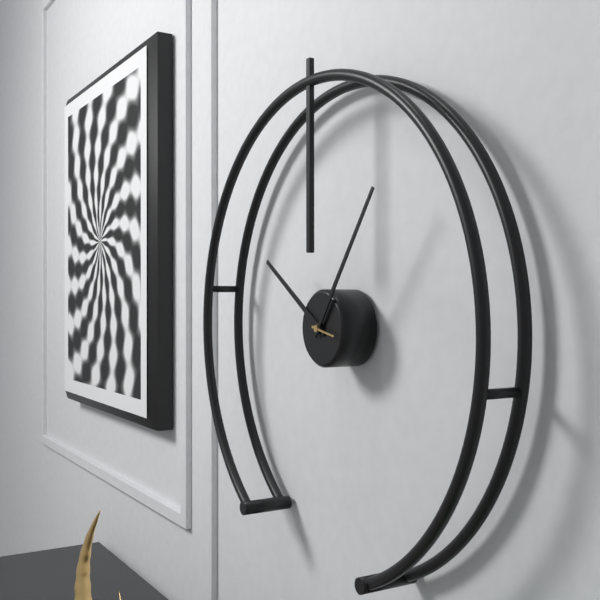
10 h 06 min
